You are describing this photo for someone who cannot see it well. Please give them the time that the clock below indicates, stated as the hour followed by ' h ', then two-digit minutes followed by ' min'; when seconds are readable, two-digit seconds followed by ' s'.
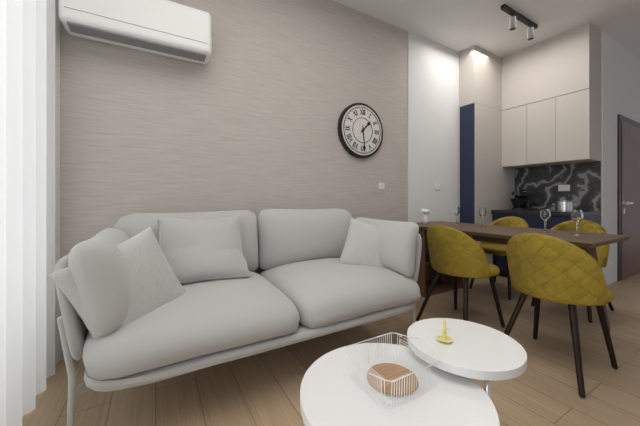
1 h 29 min
